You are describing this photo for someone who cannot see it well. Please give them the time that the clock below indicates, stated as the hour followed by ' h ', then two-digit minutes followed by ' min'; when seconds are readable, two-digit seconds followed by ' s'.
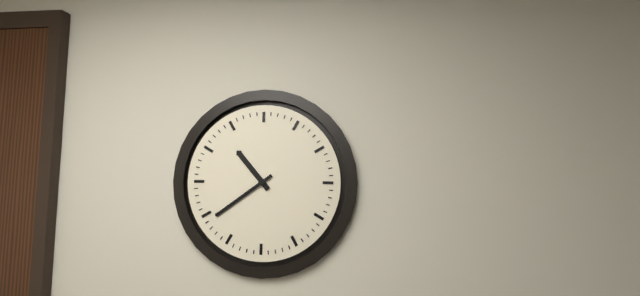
10 h 39 min
